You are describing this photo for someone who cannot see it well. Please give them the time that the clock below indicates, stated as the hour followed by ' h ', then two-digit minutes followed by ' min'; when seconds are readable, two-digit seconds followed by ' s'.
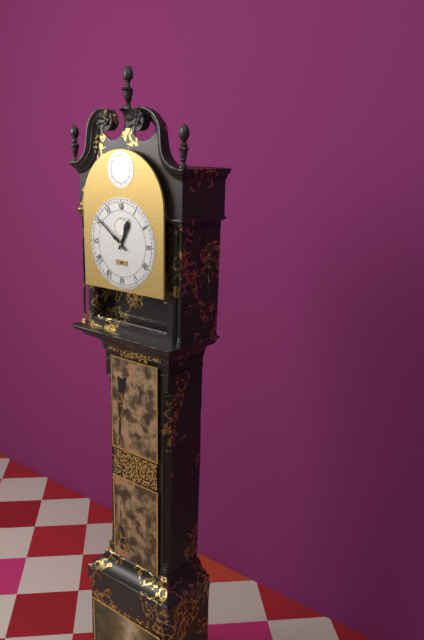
12 h 51 min
